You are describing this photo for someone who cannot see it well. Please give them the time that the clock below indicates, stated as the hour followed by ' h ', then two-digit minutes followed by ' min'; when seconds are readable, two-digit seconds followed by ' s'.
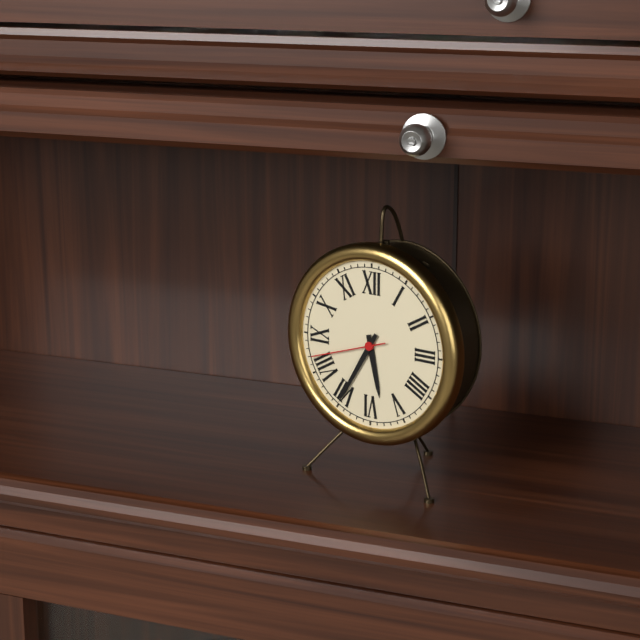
5 h 35 min 42 s
